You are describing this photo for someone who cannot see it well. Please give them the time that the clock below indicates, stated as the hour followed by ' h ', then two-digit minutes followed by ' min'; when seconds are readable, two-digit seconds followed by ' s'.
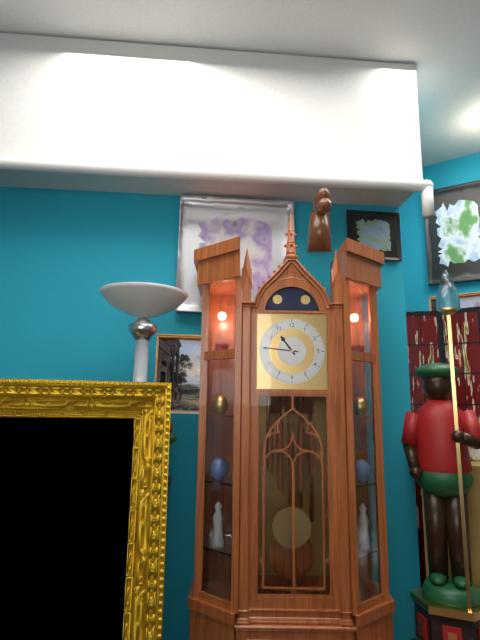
10 h 46 min
